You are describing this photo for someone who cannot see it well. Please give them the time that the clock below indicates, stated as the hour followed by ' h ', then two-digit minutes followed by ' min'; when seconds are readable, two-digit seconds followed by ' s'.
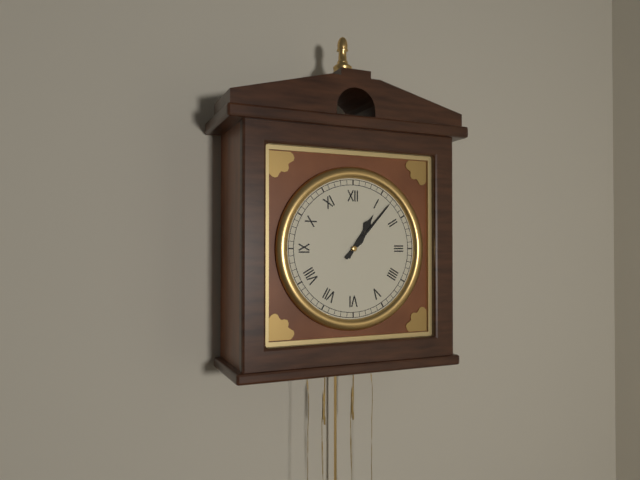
1 h 07 min
